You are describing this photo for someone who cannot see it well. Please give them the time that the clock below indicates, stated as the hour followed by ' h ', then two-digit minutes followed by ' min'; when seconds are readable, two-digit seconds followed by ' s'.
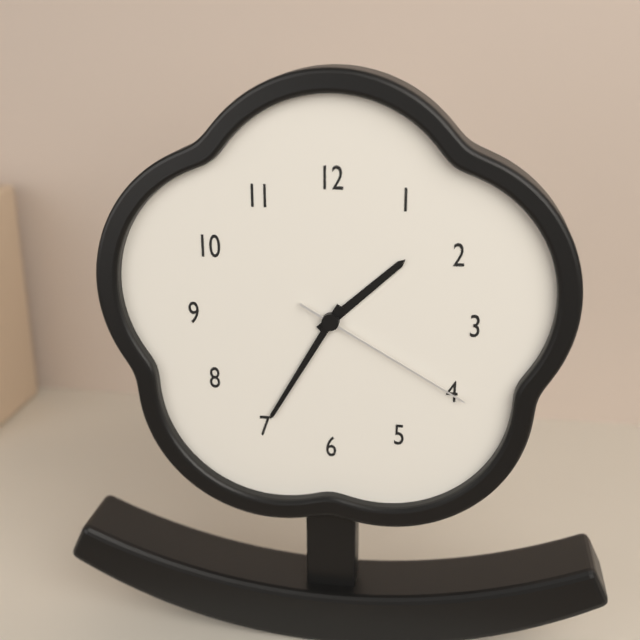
1 h 35 min 20 s
